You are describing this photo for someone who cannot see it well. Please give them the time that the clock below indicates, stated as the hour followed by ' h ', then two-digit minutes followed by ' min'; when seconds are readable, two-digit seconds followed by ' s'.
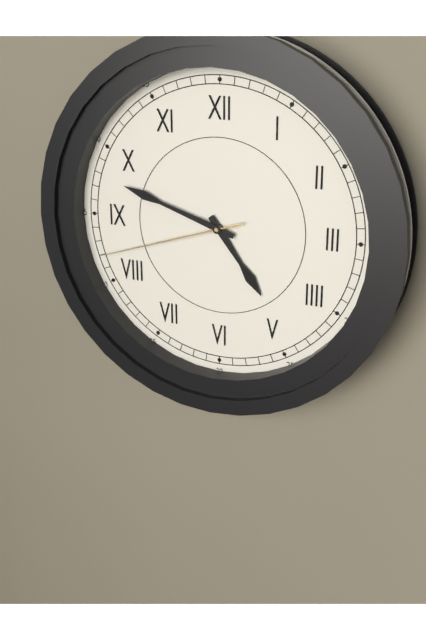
4 h 48 min 42 s
